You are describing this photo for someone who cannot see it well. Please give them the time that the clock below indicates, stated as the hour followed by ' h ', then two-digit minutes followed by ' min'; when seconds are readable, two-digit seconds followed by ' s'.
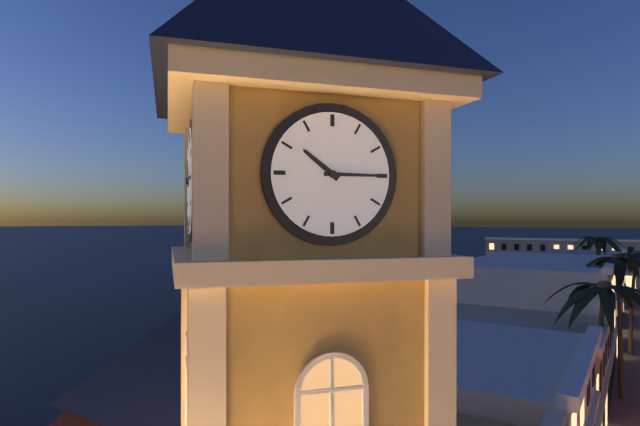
10 h 15 min
